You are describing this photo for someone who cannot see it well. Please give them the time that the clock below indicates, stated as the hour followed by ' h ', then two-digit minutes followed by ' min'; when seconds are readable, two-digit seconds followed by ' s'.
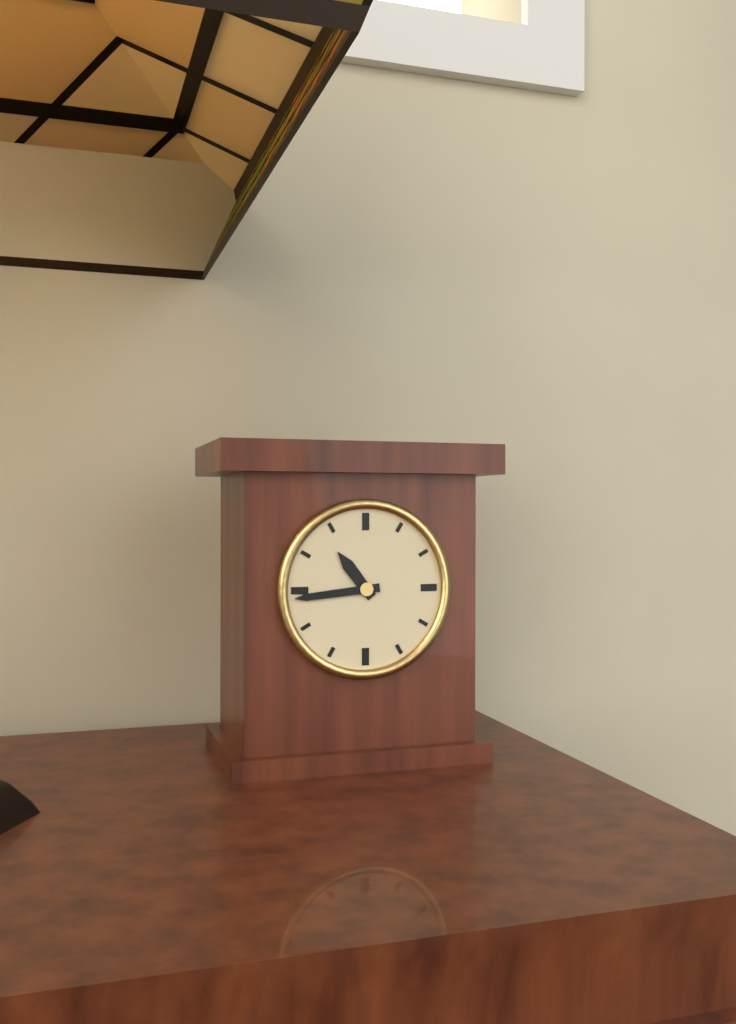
10 h 44 min
